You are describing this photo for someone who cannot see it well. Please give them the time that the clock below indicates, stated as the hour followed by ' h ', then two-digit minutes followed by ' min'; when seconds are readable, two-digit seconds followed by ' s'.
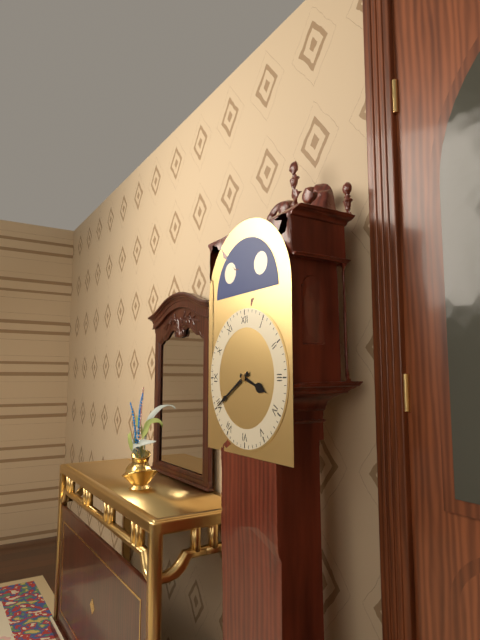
3 h 40 min
